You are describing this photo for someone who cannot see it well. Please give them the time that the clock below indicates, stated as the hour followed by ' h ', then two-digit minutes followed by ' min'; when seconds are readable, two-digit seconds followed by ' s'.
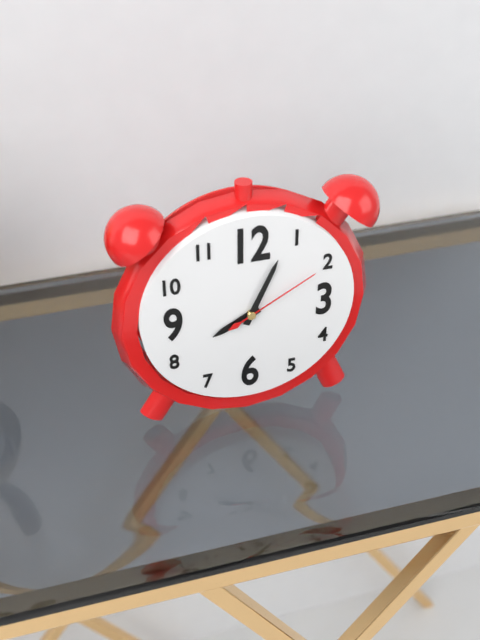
8 h 04 min 10 s
